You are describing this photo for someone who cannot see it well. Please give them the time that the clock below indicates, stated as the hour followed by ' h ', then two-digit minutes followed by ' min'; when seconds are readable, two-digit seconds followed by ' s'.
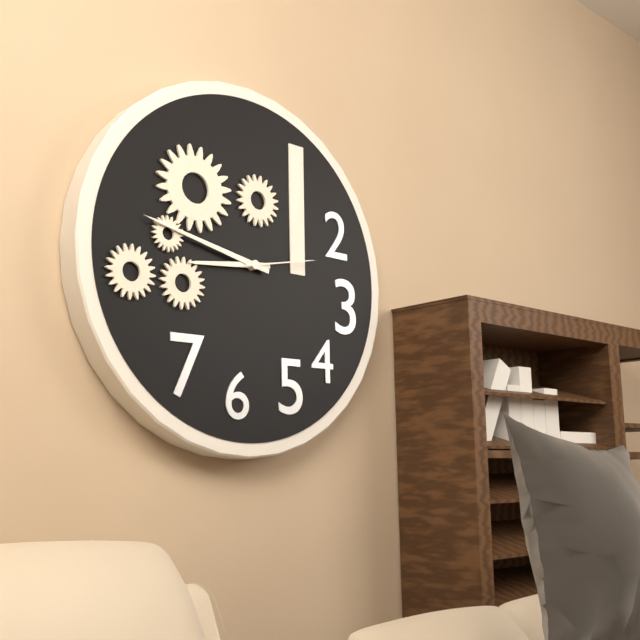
8 h 47 min 13 s
